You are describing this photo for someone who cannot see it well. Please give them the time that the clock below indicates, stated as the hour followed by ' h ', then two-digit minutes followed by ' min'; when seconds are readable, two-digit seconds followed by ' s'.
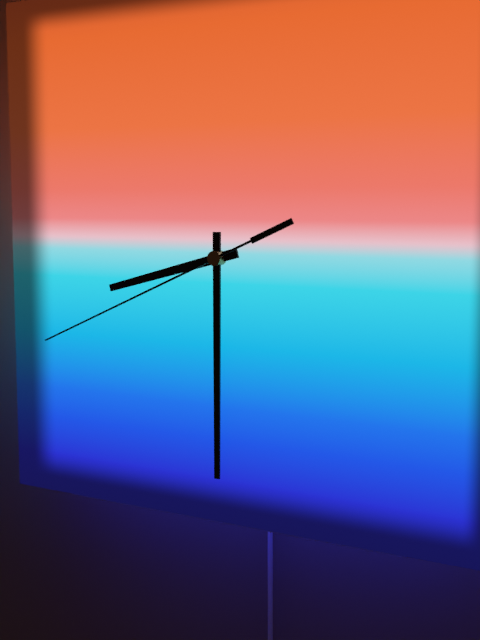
8 h 30 min 41 s
